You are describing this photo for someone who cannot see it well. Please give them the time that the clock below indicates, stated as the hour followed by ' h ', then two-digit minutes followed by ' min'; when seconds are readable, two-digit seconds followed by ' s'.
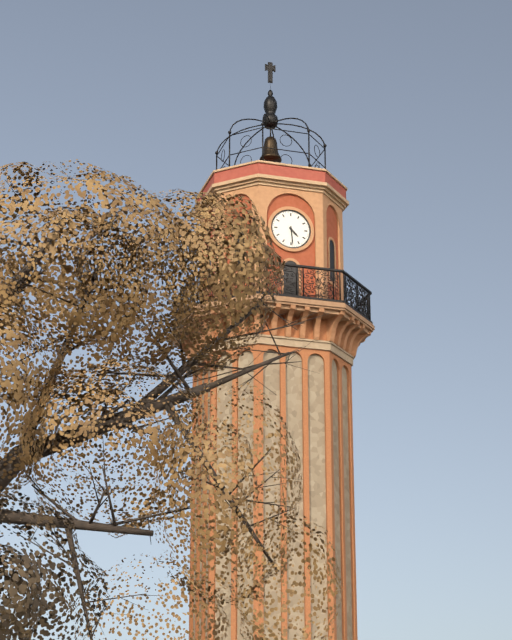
4 h 29 min
